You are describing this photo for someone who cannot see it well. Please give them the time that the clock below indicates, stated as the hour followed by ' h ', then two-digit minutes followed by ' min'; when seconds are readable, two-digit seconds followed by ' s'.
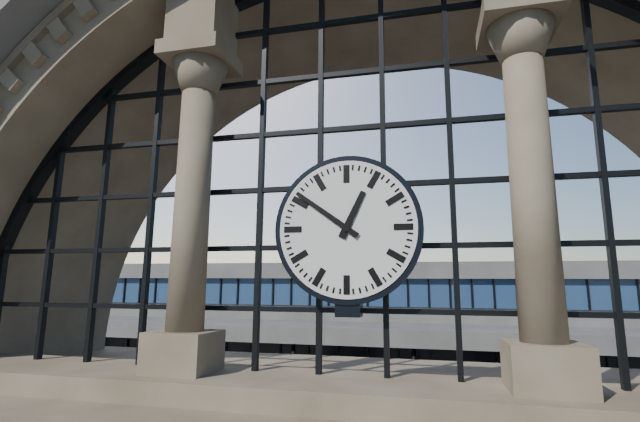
12 h 51 min
